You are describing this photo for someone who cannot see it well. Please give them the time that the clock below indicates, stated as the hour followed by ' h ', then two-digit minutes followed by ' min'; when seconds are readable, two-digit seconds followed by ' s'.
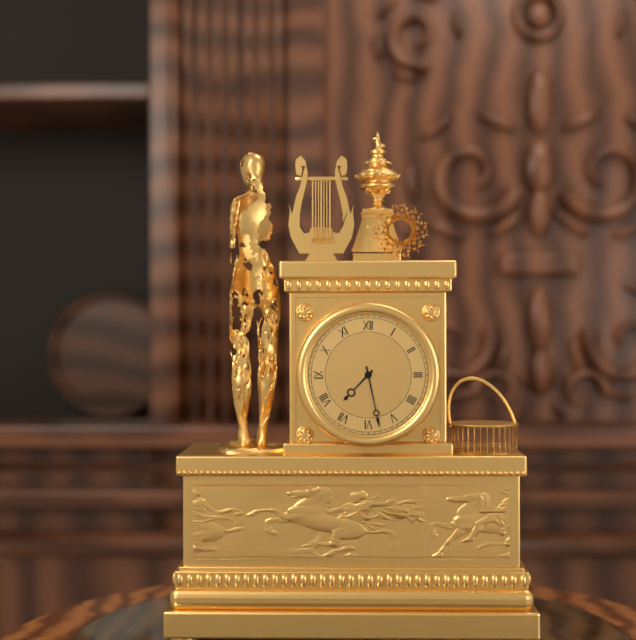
7 h 28 min
